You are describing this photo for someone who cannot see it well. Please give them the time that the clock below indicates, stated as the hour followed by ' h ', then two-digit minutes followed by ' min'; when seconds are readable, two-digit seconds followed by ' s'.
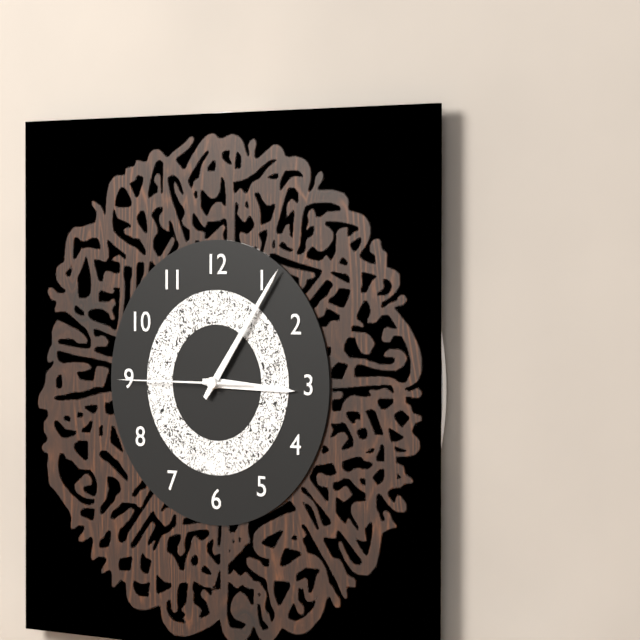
3 h 06 min 45 s
